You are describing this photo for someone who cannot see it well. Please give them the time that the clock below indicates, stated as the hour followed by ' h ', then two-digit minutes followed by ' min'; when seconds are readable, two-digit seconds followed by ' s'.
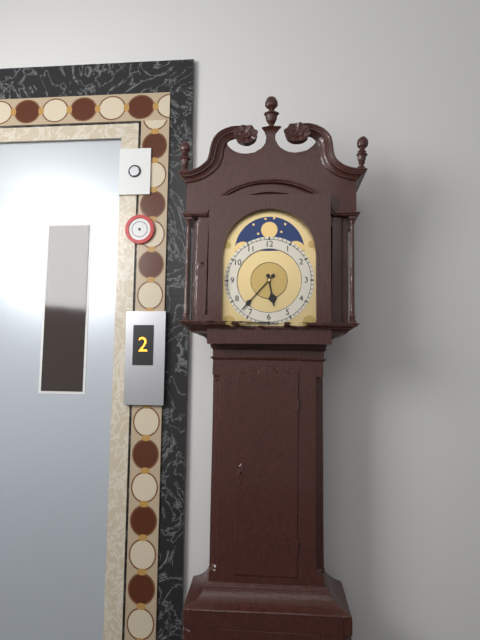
5 h 37 min
